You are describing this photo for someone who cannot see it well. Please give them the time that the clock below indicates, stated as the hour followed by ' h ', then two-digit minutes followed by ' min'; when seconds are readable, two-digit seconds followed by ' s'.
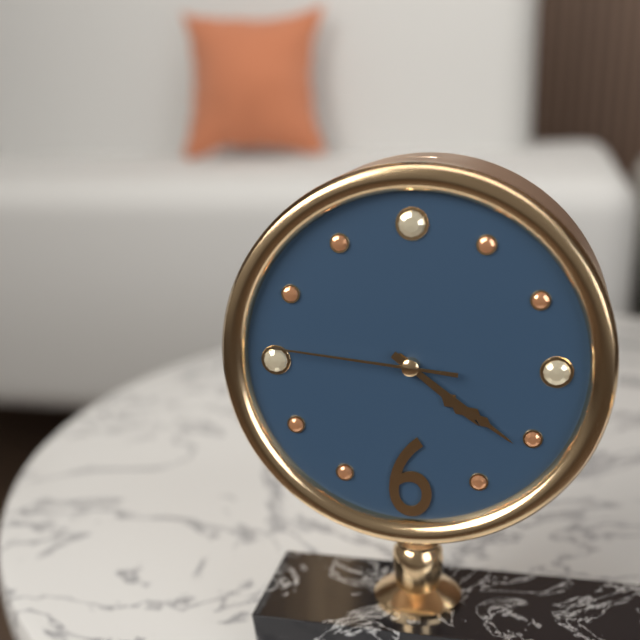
4 h 21 min 46 s
